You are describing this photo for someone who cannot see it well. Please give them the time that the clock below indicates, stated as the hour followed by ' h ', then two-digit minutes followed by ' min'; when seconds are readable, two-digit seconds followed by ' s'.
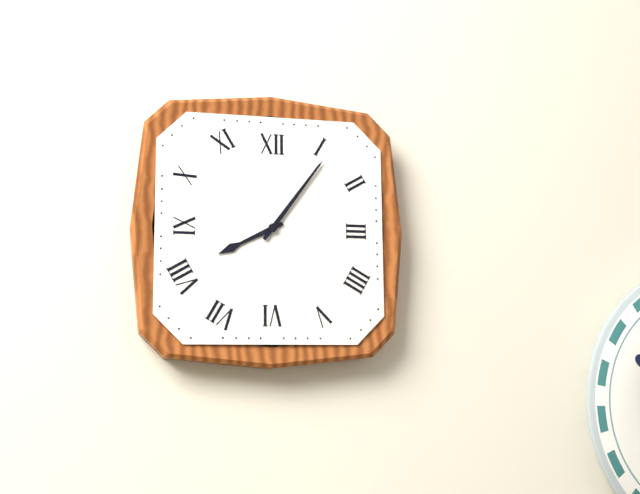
8 h 06 min
